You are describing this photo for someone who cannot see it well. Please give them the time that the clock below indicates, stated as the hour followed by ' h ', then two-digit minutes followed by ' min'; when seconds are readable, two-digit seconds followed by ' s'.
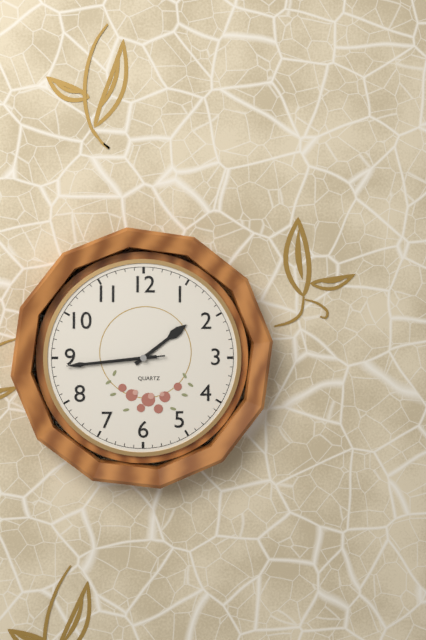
1 h 44 min 44 s
